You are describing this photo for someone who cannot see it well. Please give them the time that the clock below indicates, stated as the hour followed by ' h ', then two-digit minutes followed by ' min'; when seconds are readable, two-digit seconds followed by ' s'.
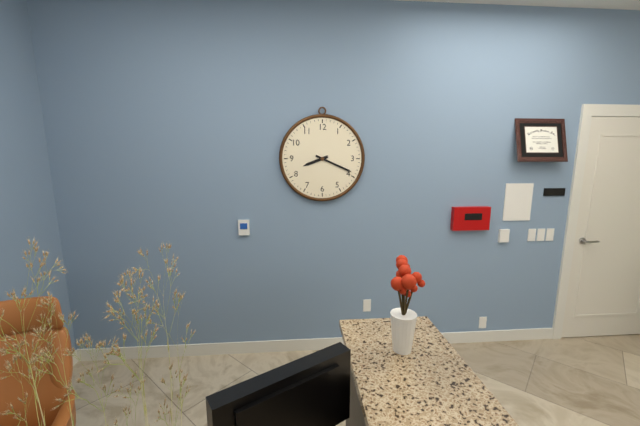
8 h 19 min
